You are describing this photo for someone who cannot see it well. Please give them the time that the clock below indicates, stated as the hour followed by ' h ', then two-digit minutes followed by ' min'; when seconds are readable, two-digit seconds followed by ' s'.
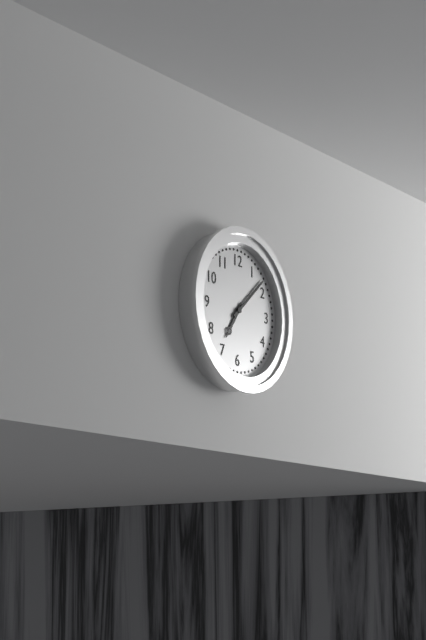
7 h 08 min
